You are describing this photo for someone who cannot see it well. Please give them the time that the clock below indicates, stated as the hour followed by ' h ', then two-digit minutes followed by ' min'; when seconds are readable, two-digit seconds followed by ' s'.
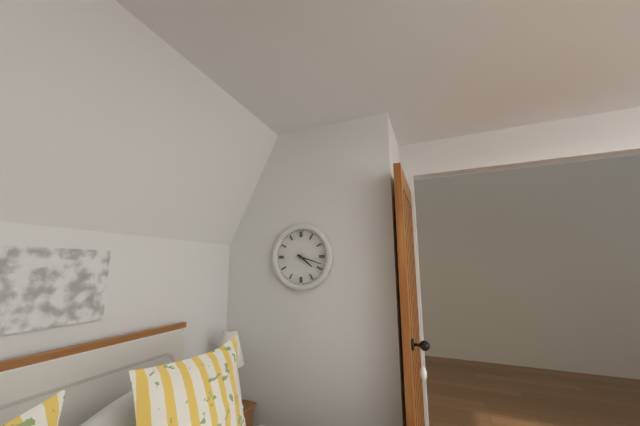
4 h 18 min
